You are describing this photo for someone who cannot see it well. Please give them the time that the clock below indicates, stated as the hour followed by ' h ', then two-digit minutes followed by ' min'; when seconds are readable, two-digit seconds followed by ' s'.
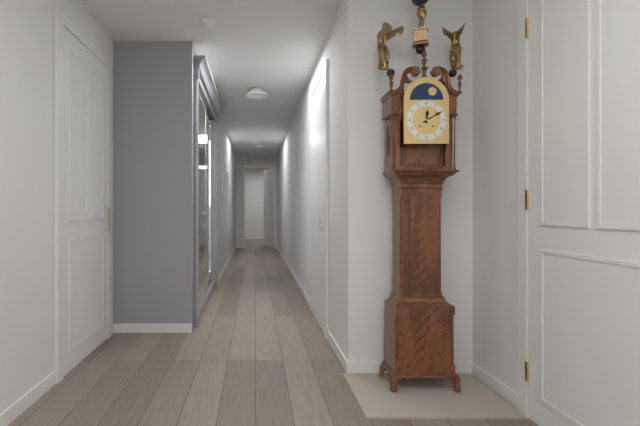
12 h 10 min
